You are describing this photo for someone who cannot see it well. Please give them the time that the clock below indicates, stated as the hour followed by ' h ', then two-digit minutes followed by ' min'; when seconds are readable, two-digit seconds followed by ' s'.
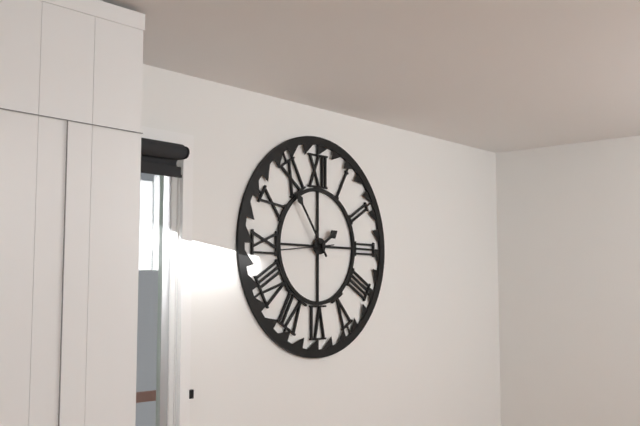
1 h 54 min 44 s
